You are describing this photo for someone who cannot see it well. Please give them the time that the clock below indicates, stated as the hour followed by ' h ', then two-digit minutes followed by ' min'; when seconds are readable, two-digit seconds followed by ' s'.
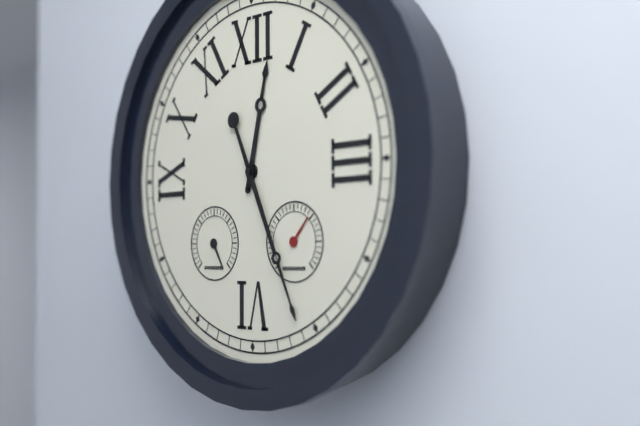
12 h 26 min
